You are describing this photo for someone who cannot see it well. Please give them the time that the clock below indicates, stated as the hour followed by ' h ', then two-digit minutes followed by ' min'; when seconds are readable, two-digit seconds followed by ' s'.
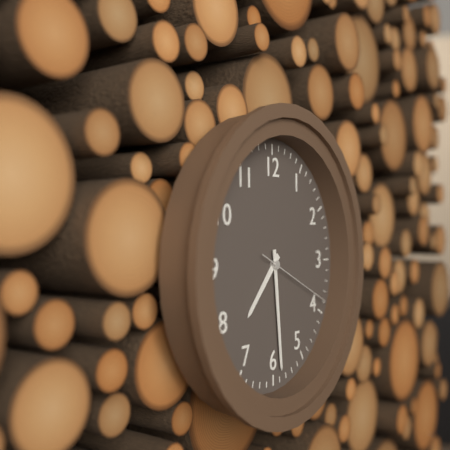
7 h 29 min 19 s
